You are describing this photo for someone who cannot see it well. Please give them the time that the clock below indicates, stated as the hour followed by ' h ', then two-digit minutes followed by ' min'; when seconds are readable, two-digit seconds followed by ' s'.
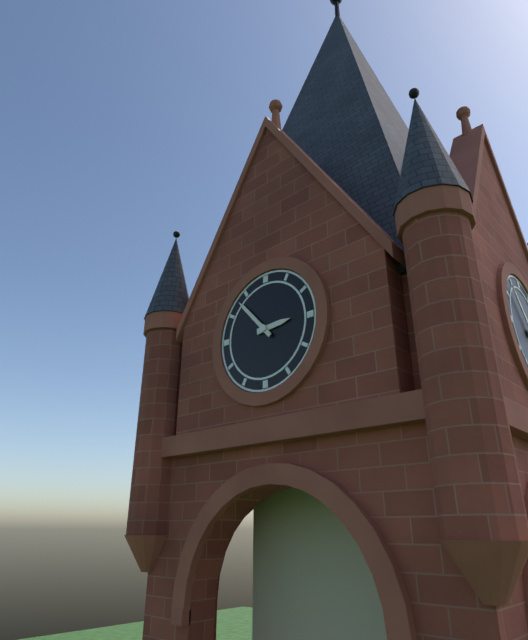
2 h 53 min
